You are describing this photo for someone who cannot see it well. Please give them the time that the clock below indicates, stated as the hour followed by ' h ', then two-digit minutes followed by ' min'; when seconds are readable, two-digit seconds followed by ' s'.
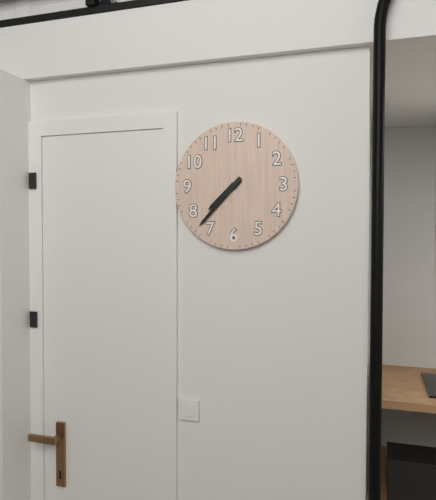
7 h 37 min
